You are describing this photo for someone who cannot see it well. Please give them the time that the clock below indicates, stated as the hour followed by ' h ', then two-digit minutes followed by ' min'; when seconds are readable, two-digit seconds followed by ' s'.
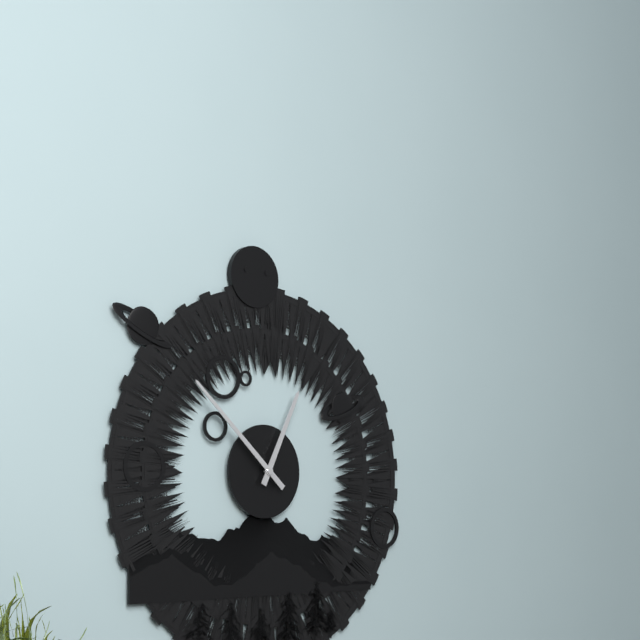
12 h 52 min
